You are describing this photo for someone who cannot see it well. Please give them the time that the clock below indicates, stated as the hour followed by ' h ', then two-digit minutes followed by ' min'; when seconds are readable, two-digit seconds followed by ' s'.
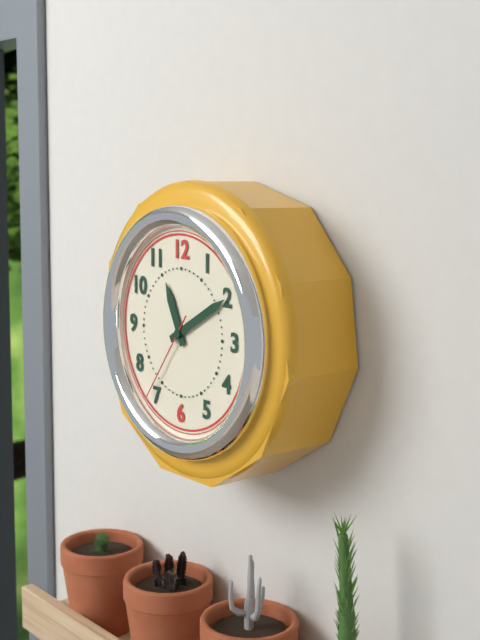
11 h 10 min 36 s
